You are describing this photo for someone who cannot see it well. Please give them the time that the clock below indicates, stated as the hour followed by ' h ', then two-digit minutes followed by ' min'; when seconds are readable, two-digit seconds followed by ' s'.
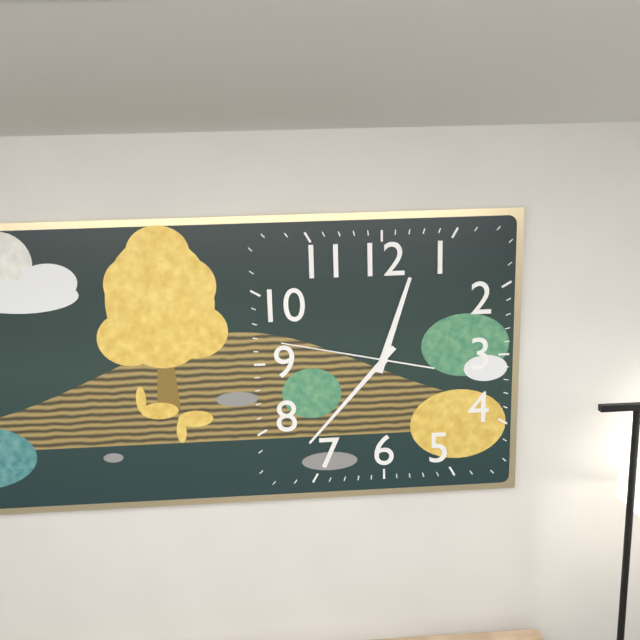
12 h 37 min 47 s
